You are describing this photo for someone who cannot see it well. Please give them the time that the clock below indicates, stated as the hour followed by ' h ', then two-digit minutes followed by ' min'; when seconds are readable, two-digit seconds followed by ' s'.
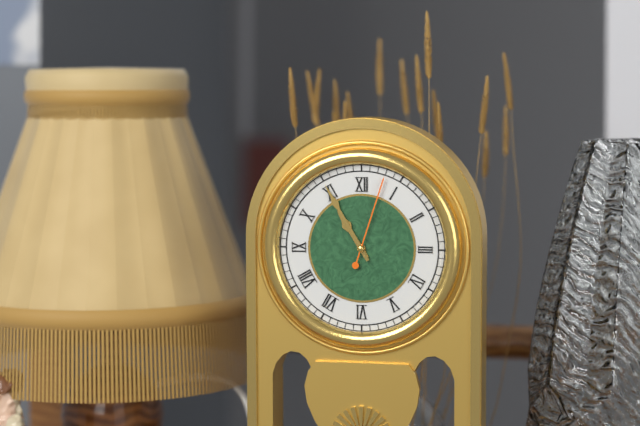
10 h 55 min 03 s
